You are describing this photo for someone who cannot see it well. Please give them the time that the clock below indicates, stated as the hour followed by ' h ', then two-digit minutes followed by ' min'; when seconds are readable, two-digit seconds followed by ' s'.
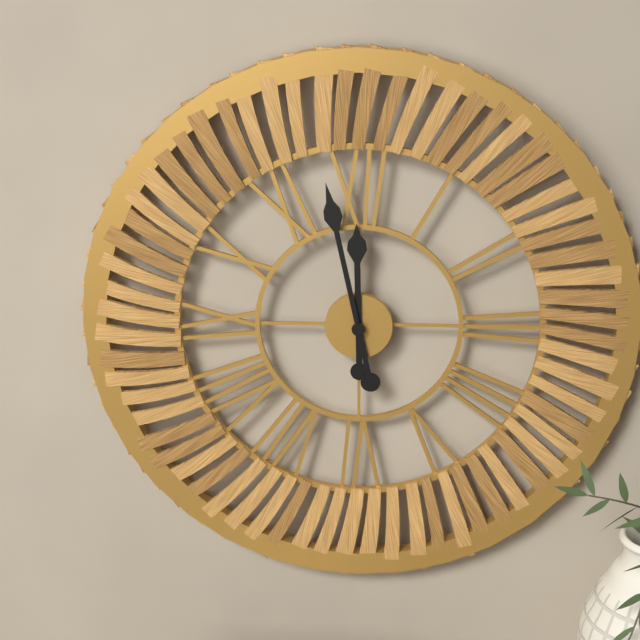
11 h 58 min
